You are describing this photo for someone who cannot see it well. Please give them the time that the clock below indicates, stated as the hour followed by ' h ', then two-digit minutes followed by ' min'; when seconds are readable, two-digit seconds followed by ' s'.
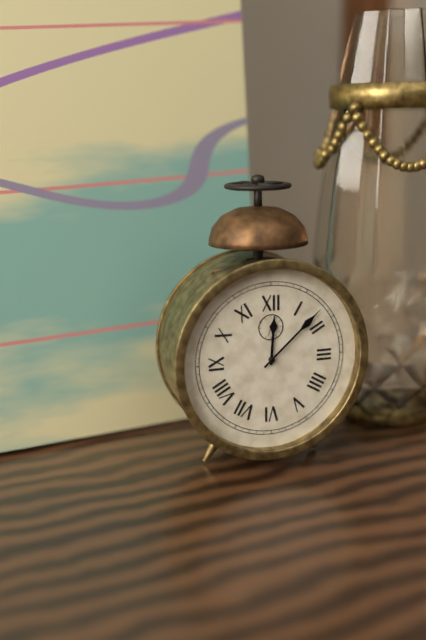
12 h 08 min
